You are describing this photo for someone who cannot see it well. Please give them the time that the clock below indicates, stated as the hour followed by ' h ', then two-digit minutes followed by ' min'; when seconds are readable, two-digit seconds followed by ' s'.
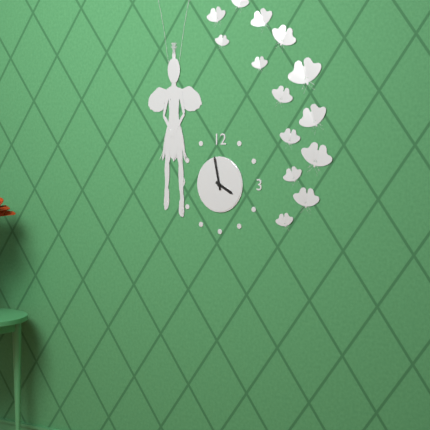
3 h 58 min
